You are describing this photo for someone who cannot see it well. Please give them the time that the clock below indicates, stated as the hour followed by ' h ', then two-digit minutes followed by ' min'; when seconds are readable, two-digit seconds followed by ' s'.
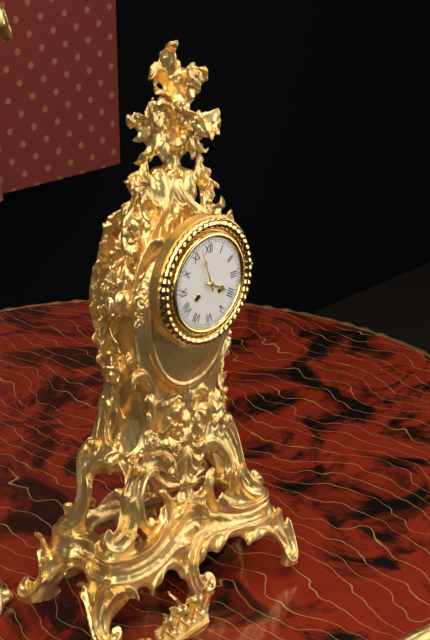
3 h 57 min
